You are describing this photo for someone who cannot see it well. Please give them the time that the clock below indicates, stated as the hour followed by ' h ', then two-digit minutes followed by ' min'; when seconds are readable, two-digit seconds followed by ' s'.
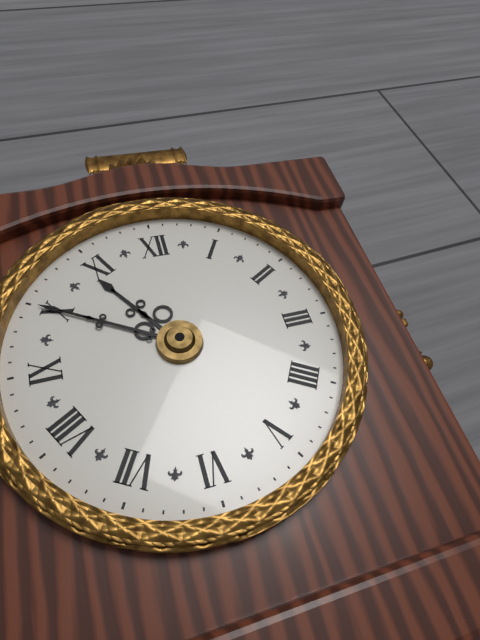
10 h 50 min
